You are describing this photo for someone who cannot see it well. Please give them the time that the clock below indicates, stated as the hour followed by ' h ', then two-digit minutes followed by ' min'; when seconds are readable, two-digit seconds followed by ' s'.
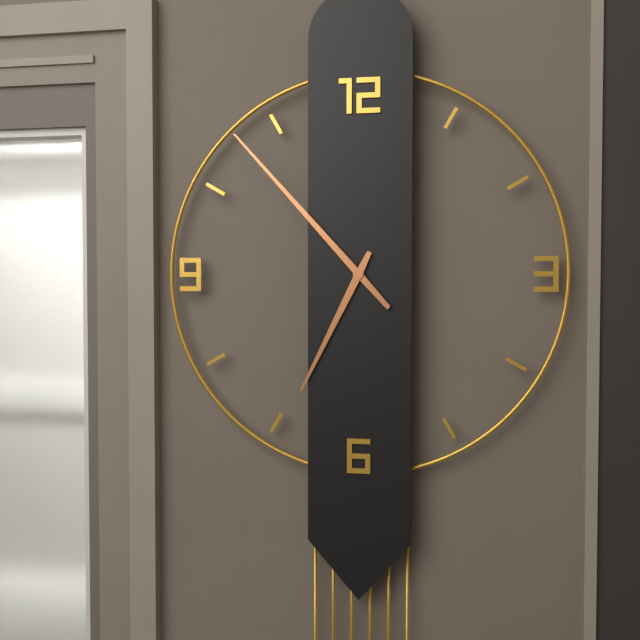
6 h 53 min
